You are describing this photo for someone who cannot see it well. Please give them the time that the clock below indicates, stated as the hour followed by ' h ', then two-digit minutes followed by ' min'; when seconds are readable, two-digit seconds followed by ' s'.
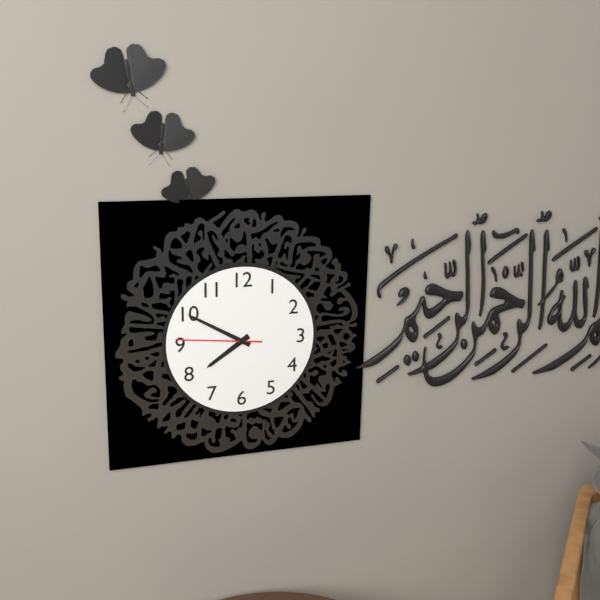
7 h 50 min 46 s
